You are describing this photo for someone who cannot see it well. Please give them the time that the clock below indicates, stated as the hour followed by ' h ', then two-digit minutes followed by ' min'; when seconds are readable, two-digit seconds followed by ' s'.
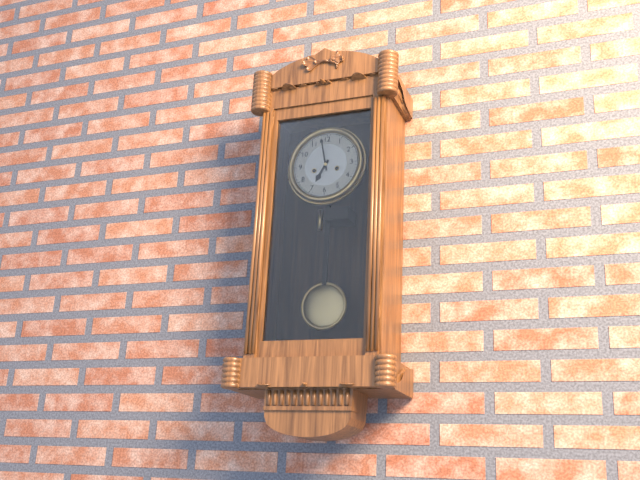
6 h 58 min
